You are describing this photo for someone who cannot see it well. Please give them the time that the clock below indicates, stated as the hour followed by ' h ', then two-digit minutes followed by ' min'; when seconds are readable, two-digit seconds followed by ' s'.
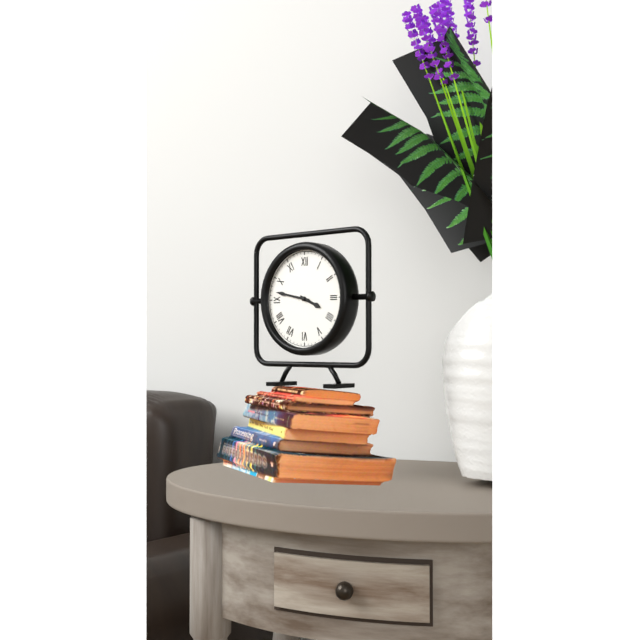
3 h 47 min
